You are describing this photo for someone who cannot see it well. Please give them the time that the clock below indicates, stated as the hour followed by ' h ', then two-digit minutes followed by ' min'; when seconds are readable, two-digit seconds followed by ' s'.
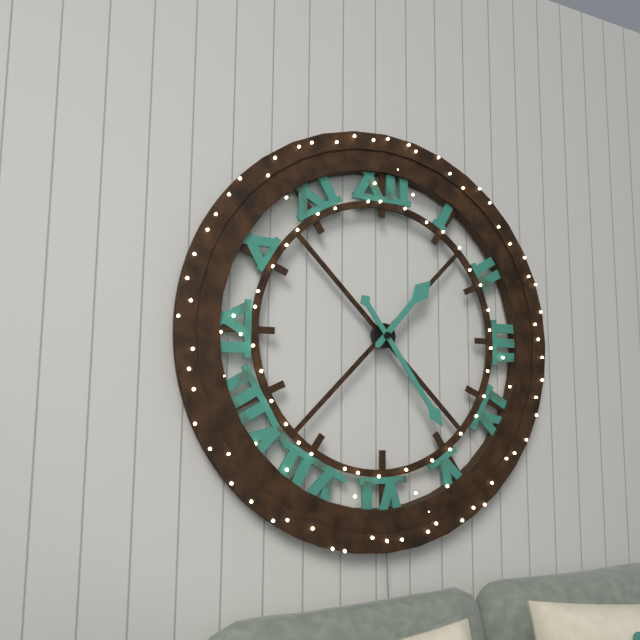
1 h 24 min
